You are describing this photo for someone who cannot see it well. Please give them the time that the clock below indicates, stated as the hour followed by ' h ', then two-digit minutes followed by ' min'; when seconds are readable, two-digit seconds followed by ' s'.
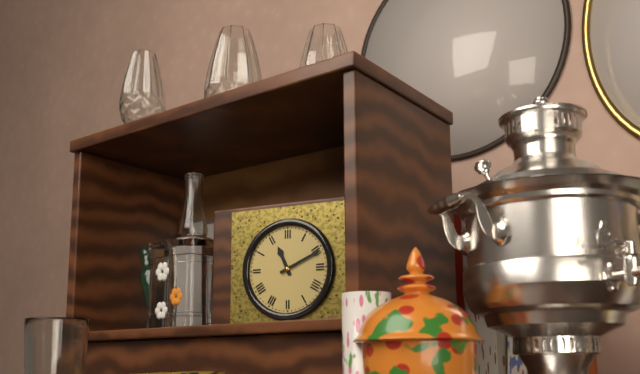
11 h 11 min
